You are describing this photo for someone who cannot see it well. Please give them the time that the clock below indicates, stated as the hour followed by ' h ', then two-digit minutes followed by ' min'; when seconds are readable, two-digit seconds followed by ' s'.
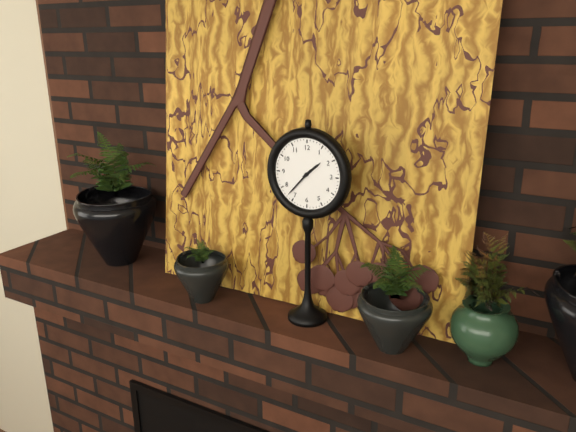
1 h 37 min
